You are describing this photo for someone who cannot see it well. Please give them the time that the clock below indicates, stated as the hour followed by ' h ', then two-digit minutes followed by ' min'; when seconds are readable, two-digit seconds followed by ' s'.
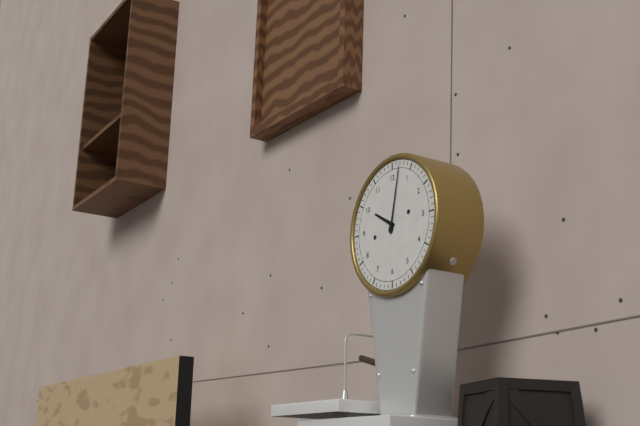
10 h 02 min
